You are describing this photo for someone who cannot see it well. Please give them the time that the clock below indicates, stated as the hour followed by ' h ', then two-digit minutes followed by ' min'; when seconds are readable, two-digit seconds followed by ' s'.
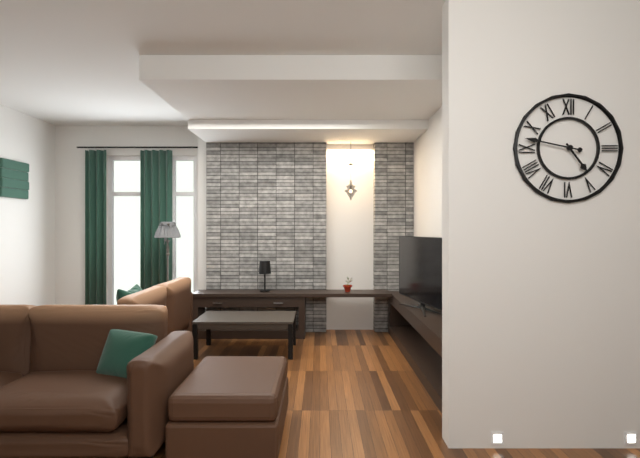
4 h 47 min
